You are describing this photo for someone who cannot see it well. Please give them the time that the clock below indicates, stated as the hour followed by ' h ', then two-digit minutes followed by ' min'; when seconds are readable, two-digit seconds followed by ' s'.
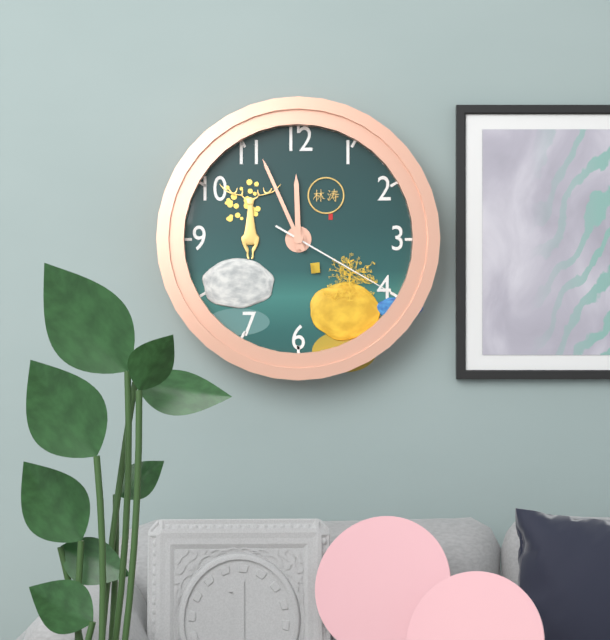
11 h 56 min 20 s
